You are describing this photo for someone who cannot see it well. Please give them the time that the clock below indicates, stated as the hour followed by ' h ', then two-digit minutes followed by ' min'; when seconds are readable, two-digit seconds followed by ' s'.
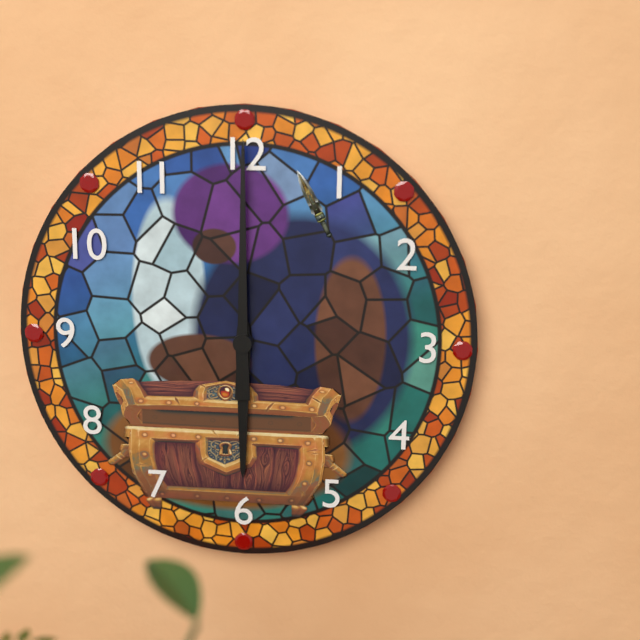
6 h 00 min
